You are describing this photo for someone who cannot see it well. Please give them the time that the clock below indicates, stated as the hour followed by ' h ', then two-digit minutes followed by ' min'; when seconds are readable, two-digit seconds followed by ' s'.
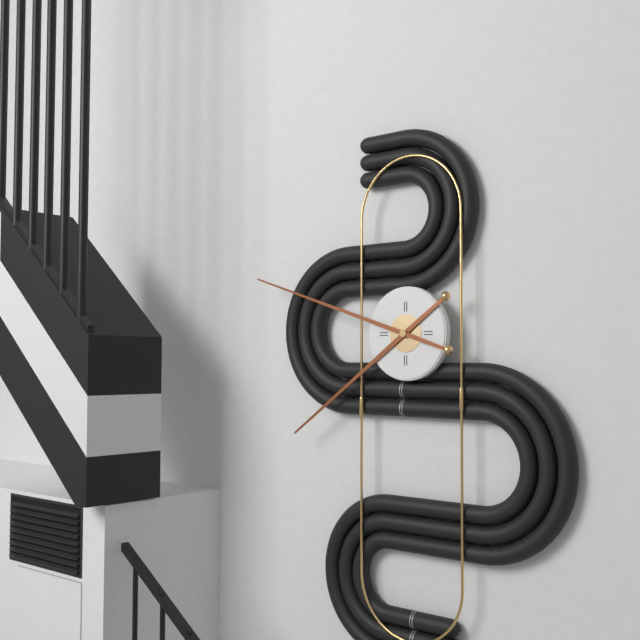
7 h 48 min
